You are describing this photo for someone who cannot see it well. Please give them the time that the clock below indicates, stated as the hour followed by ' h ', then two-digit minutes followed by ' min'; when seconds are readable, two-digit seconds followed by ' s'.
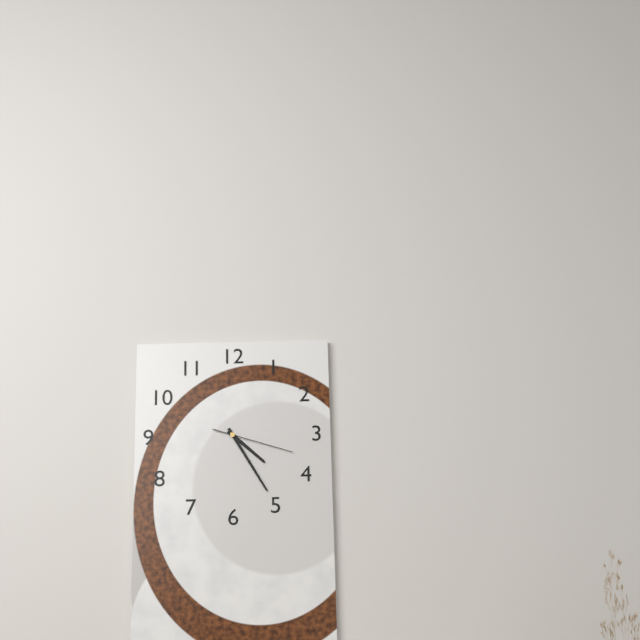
4 h 25 min 18 s
